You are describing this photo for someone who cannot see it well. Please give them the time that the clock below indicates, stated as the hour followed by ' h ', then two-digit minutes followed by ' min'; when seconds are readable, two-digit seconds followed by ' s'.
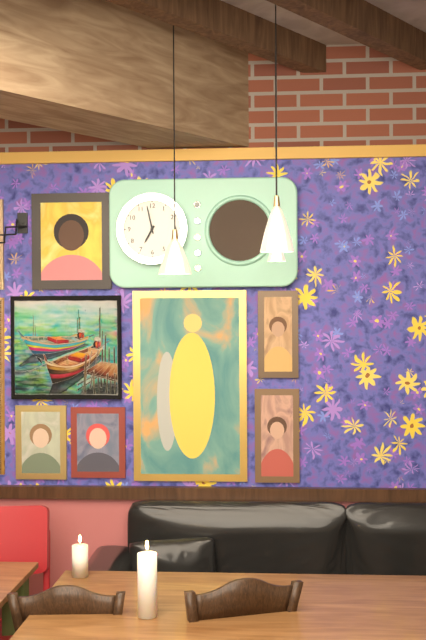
6 h 58 min
